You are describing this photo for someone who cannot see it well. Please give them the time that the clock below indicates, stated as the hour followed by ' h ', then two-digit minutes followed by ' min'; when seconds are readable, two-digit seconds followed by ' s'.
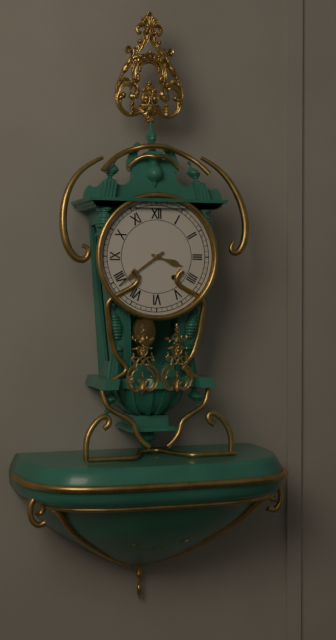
3 h 39 min
